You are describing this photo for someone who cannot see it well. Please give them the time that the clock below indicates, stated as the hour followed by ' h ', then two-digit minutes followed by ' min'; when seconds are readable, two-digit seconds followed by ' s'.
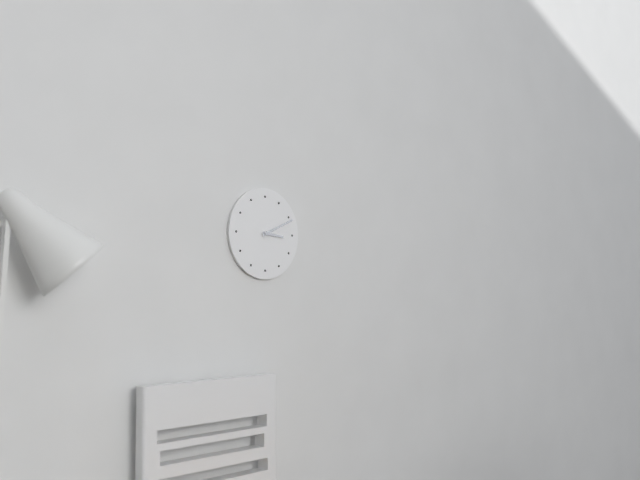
3 h 11 min
